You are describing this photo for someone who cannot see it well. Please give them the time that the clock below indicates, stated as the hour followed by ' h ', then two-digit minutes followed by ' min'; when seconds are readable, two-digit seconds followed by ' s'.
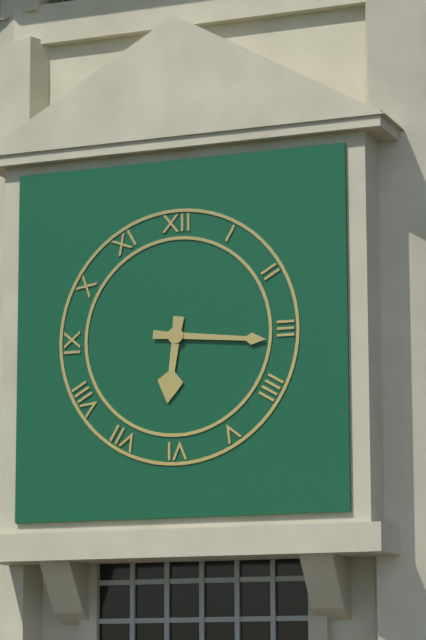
6 h 16 min
